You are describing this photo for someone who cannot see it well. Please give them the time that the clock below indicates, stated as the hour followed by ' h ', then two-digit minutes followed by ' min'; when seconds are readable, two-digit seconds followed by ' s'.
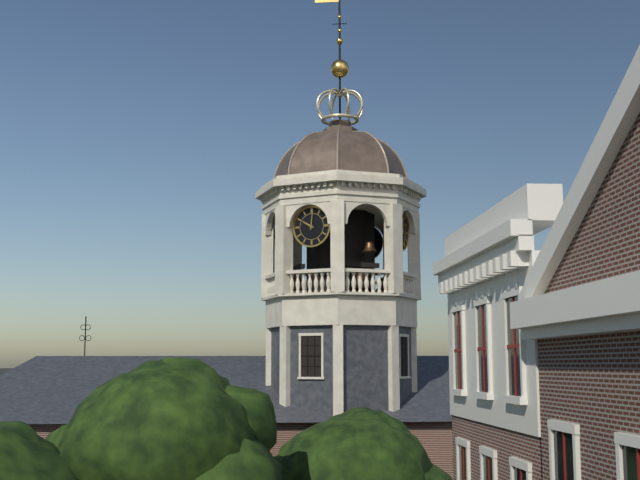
10 h 01 min
